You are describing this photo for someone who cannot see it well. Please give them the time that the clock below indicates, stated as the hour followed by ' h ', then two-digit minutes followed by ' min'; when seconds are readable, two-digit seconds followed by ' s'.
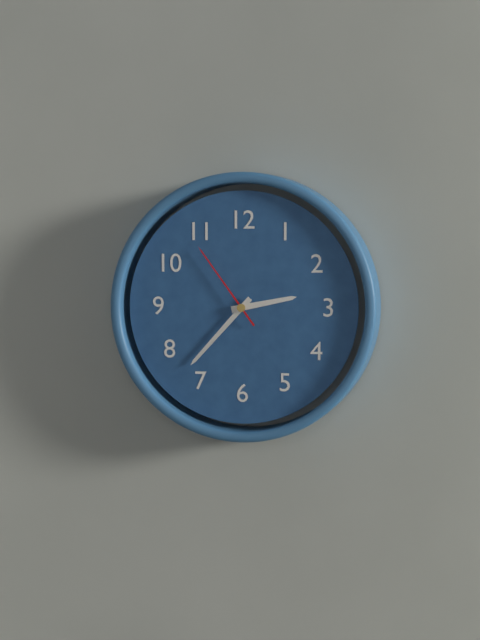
2 h 37 min 54 s
